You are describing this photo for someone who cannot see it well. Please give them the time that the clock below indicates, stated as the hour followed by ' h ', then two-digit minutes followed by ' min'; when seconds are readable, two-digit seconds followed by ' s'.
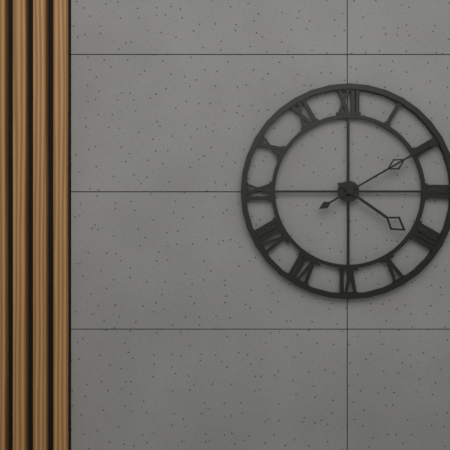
4 h 10 min
